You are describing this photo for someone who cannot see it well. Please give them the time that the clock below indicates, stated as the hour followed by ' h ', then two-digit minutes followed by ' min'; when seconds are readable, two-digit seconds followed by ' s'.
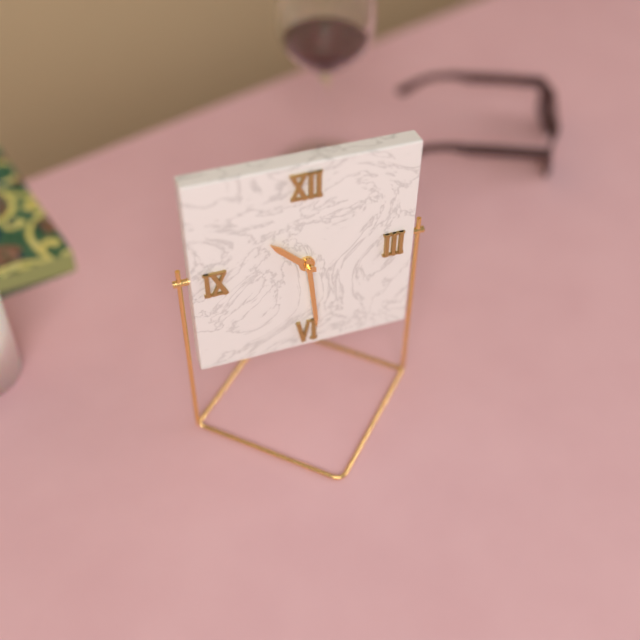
10 h 29 min
